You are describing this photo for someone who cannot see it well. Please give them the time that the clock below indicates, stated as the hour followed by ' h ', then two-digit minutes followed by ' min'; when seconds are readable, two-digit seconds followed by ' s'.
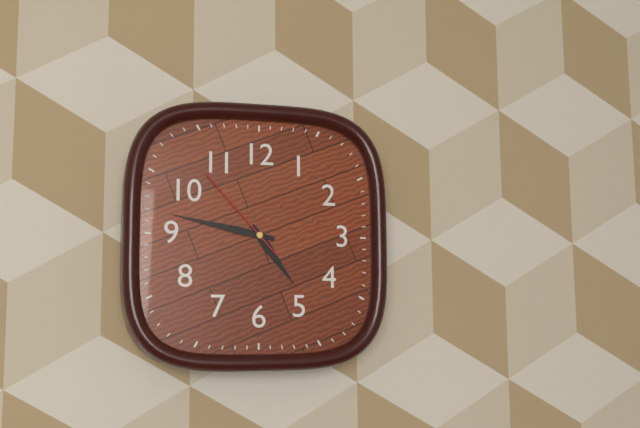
4 h 47 min 53 s
